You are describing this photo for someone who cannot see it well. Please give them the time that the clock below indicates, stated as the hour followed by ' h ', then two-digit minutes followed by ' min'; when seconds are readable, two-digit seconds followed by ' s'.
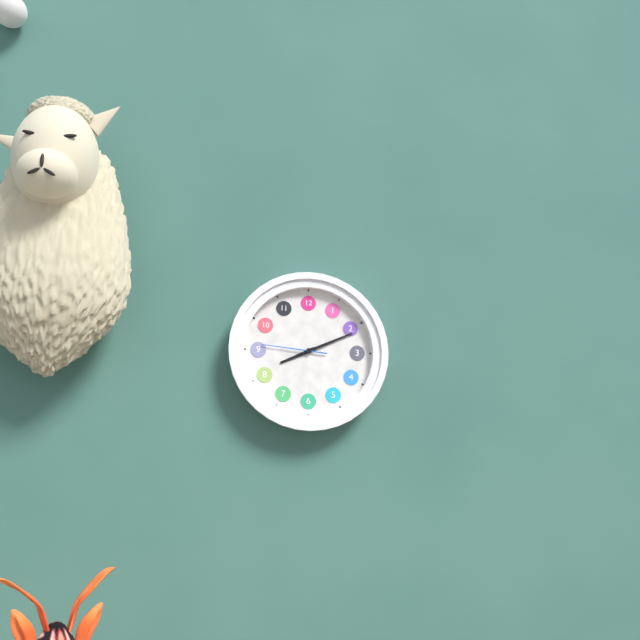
8 h 11 min 46 s
